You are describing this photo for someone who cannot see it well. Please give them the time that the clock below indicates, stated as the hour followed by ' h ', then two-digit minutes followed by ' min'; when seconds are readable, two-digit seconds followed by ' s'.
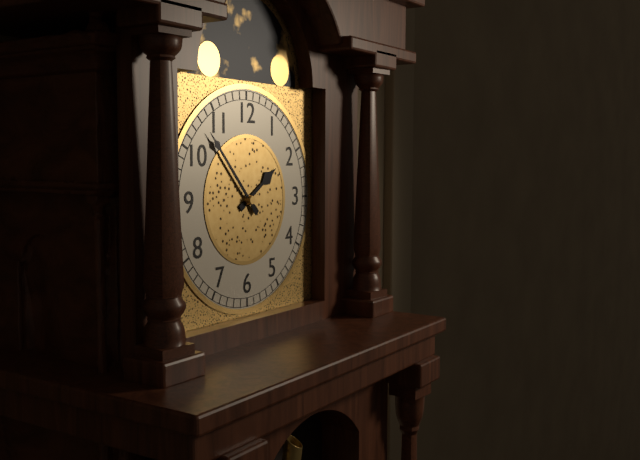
1 h 53 min
